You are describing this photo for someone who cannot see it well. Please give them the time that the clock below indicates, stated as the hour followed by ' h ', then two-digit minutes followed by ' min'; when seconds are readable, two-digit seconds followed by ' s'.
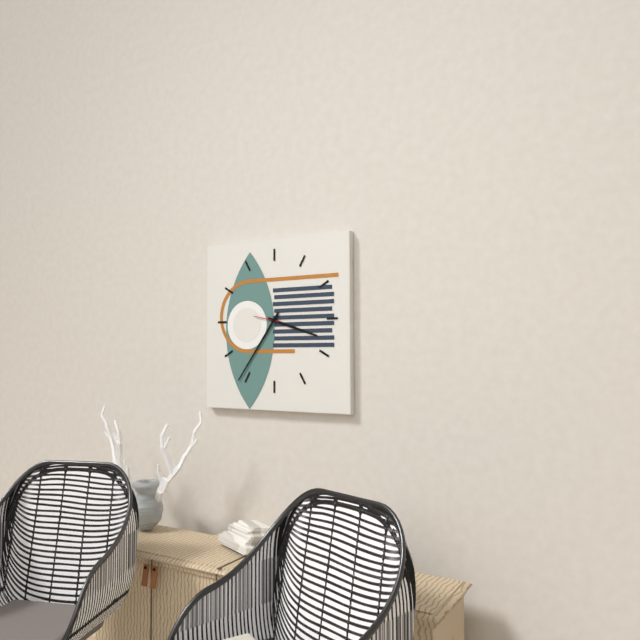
3 h 36 min
